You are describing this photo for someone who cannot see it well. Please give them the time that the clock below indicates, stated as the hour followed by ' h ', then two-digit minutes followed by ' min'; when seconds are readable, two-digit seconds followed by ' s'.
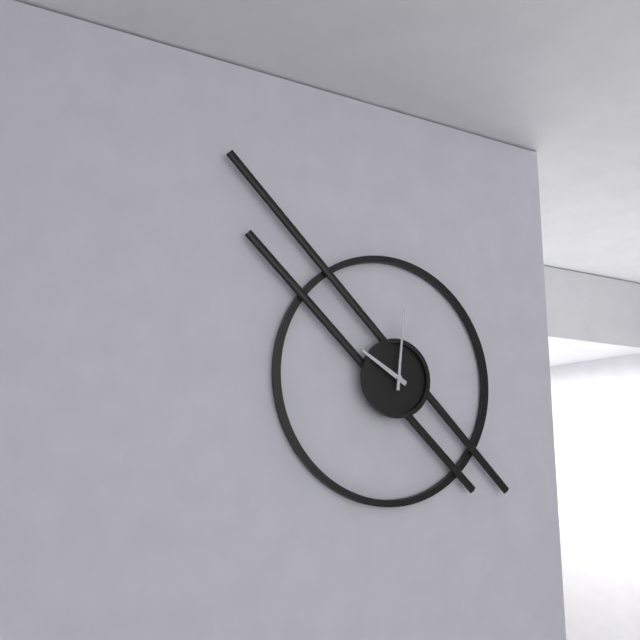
10 h 01 min
